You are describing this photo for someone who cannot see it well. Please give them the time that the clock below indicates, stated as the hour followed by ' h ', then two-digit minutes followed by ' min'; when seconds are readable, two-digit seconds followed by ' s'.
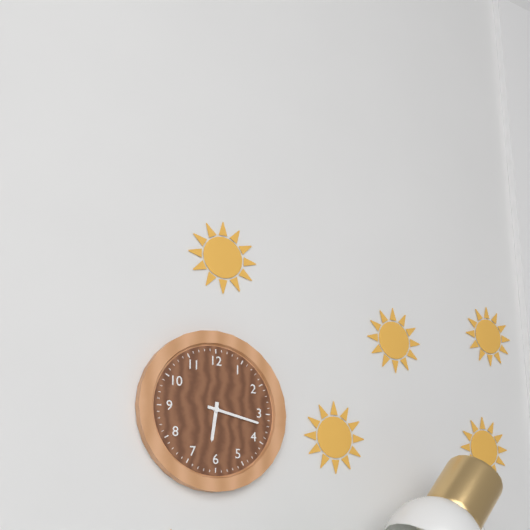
6 h 17 min
